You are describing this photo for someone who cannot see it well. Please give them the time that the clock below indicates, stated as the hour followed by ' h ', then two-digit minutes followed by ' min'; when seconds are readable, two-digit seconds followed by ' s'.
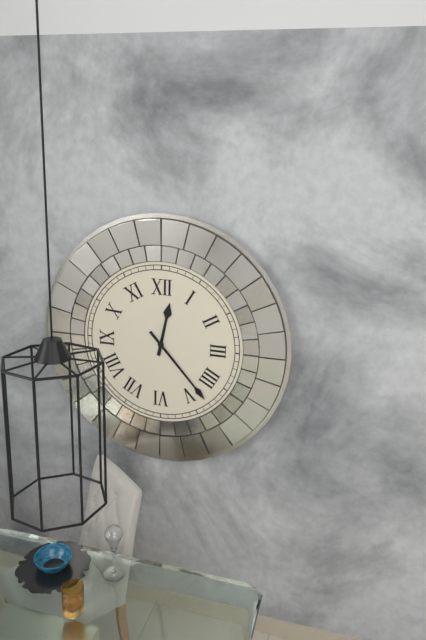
12 h 23 min
